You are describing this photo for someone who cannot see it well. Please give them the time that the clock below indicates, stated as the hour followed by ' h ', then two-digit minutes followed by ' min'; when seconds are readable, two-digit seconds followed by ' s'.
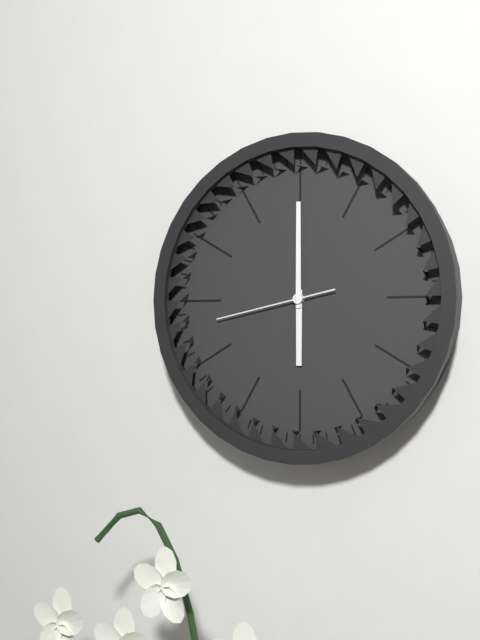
6 h 00 min 43 s
